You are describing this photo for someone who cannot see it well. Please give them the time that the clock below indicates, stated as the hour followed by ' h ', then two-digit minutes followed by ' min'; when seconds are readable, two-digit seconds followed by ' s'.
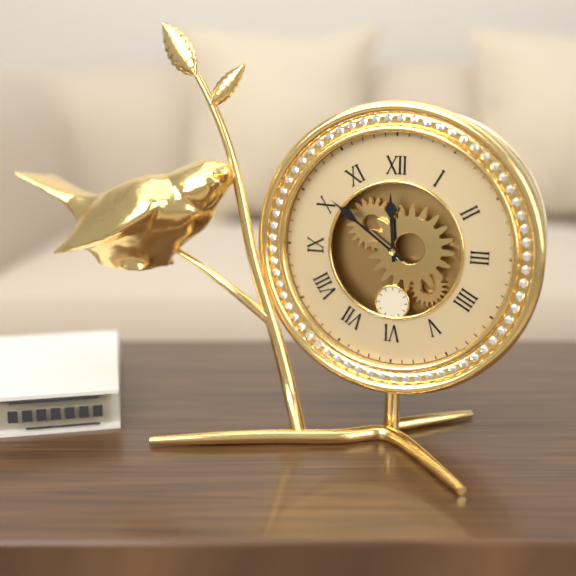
11 h 51 min
